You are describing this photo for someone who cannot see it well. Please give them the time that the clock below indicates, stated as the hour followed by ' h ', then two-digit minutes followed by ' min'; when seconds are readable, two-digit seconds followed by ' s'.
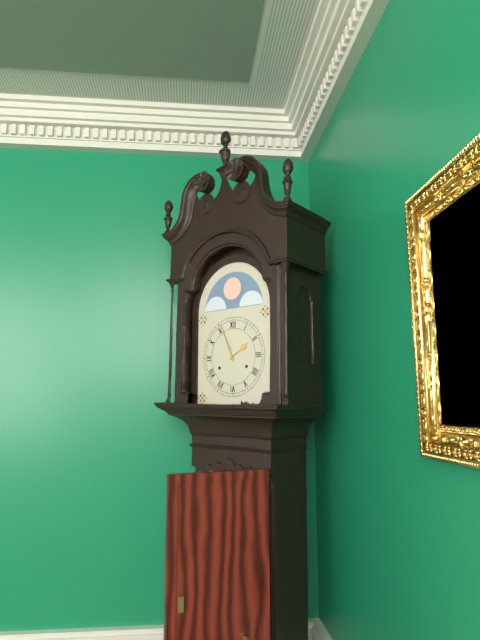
1 h 56 min
